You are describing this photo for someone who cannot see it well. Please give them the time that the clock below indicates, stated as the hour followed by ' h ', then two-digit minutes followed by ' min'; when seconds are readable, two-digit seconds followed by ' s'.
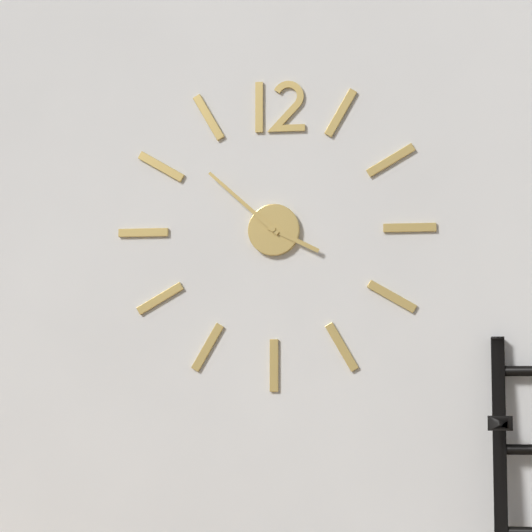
3 h 52 min
